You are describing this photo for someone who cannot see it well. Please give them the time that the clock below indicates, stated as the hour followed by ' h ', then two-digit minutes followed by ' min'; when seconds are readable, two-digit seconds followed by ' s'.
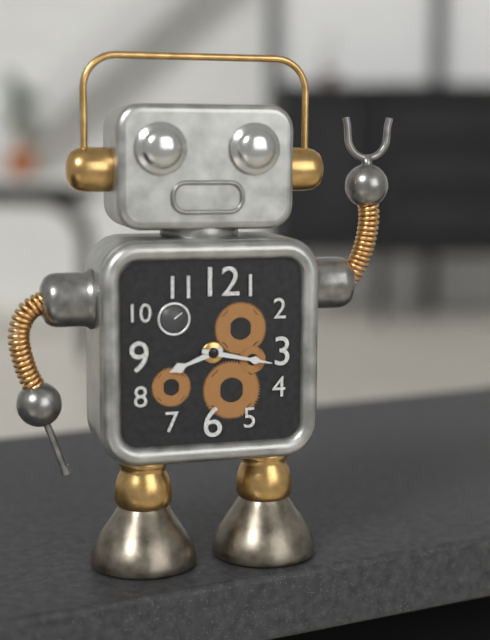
8 h 17 min
